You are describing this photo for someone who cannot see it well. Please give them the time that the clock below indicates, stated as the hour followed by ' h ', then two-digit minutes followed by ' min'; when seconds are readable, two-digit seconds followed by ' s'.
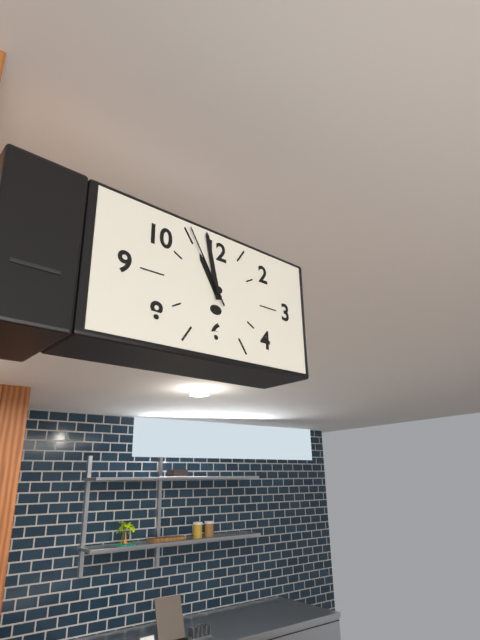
10 h 58 min 55 s
